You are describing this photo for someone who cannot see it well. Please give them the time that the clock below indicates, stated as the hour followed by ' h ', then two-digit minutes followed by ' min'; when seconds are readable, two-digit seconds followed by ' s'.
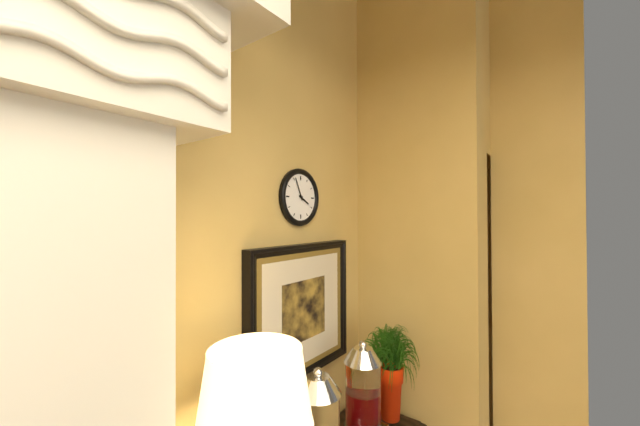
3 h 56 min
